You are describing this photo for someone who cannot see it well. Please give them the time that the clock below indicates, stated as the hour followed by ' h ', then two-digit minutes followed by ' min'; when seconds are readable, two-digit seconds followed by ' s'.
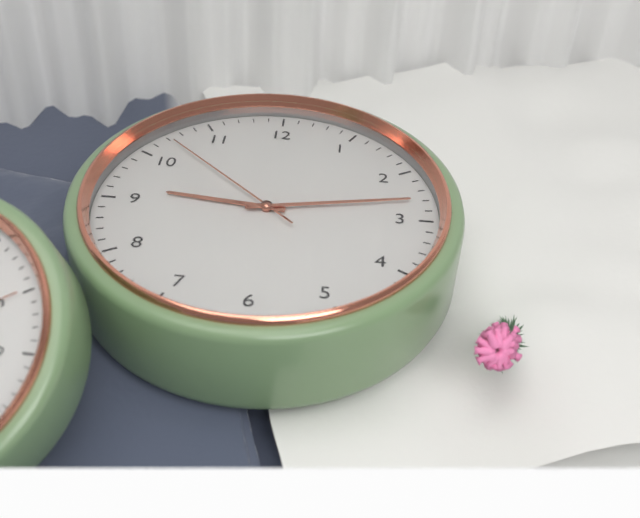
9 h 13 min 52 s
